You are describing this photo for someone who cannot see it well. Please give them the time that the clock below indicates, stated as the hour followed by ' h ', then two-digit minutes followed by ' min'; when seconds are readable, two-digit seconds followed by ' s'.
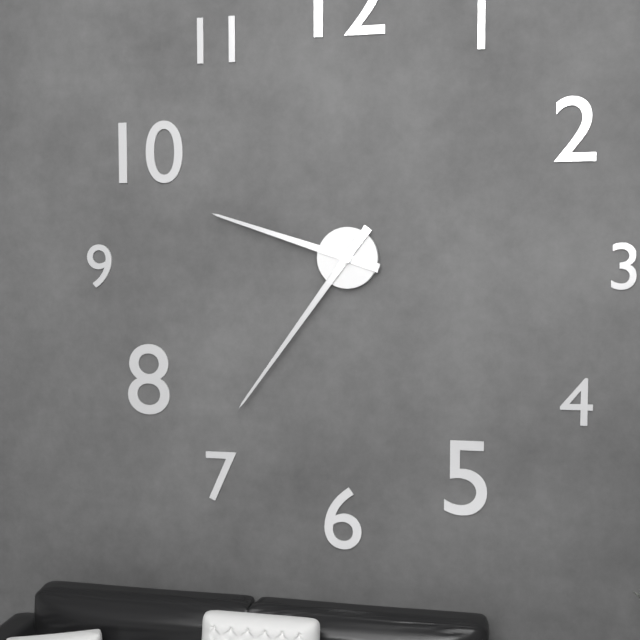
9 h 36 min
